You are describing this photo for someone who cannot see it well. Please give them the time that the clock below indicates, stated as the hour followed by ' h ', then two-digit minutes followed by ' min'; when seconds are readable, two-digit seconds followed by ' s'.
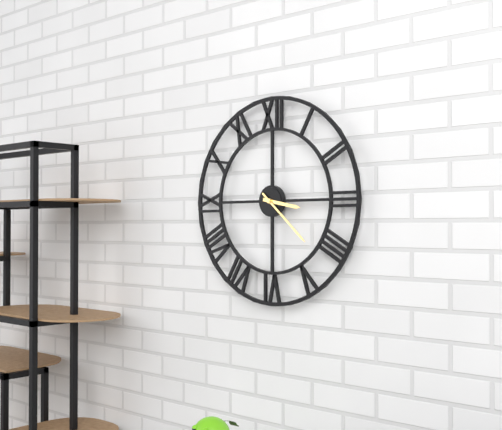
3 h 22 min
